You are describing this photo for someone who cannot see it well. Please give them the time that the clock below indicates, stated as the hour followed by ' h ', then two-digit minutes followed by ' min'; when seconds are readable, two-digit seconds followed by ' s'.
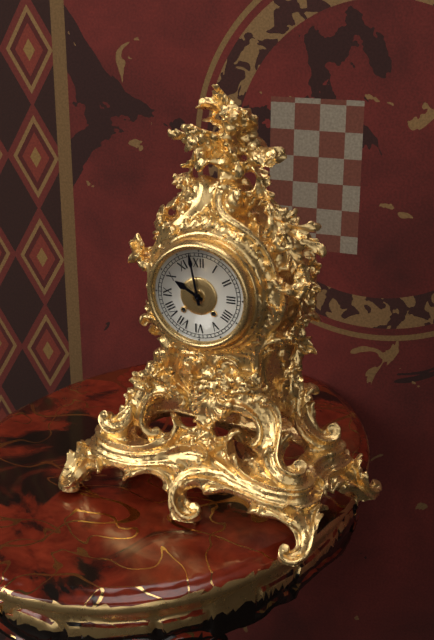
9 h 58 min
